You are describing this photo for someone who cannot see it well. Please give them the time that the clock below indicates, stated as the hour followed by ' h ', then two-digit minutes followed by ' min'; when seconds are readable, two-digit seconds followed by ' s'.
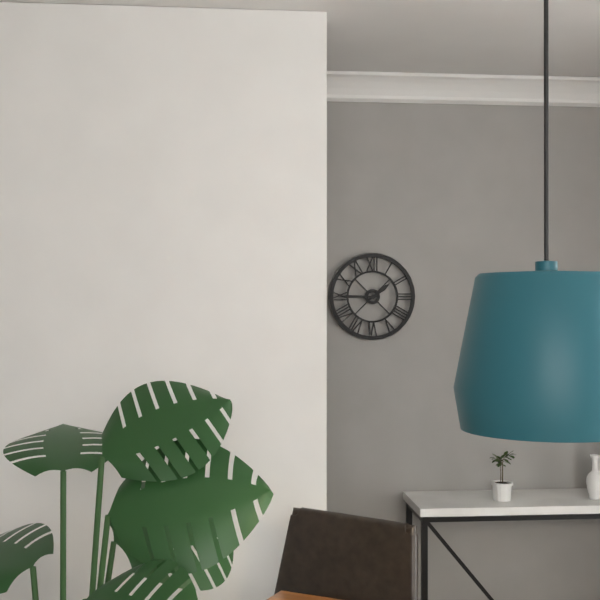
1 h 45 min
